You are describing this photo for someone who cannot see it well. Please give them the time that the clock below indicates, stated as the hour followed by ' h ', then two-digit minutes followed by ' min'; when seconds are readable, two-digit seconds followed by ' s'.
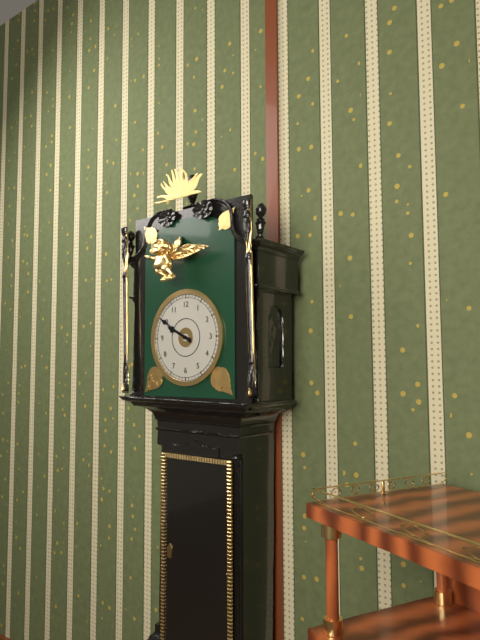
9 h 50 min
